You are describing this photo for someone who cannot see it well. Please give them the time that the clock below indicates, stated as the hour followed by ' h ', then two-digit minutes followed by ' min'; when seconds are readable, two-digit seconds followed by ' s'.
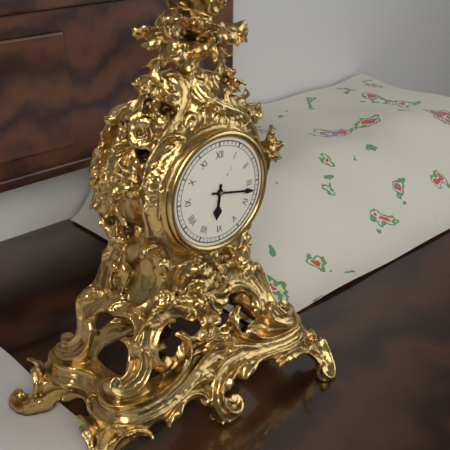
6 h 17 min
